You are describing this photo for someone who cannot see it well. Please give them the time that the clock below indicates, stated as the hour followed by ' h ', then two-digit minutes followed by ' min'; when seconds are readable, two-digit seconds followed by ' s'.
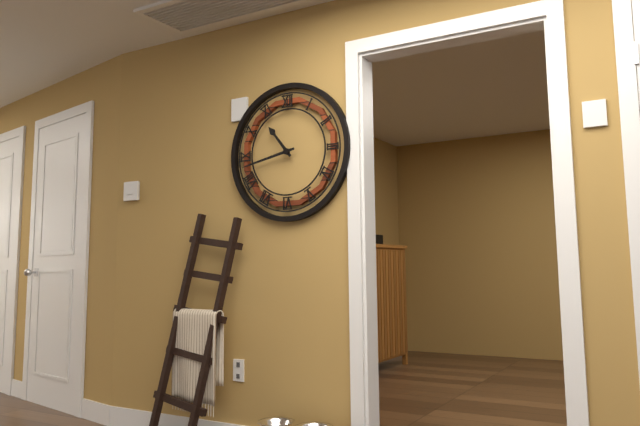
10 h 43 min
